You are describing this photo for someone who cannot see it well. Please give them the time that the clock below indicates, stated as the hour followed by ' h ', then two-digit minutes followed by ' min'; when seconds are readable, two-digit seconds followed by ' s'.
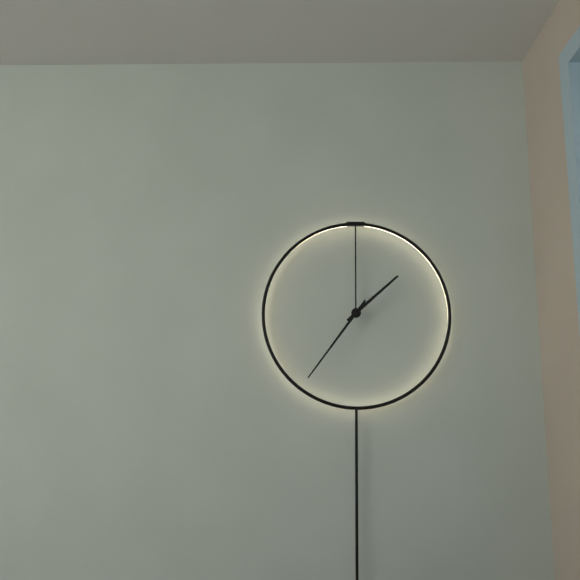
1 h 36 min
